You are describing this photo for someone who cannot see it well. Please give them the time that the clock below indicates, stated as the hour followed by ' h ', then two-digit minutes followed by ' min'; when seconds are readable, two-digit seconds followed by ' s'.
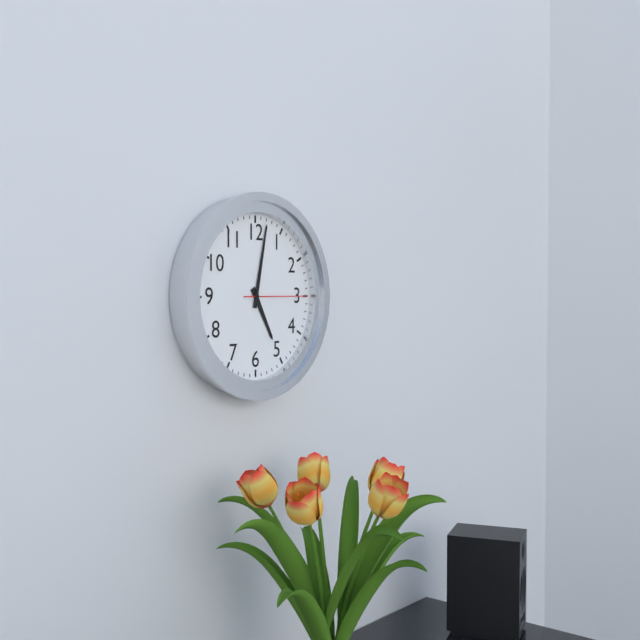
5 h 02 min 15 s
